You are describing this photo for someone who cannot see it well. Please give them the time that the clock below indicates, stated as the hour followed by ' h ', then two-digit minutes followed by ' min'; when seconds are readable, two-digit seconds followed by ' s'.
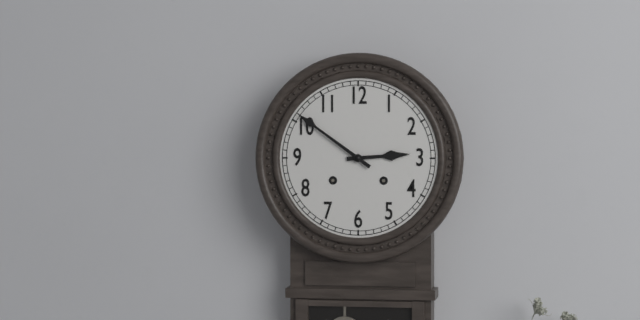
2 h 51 min
